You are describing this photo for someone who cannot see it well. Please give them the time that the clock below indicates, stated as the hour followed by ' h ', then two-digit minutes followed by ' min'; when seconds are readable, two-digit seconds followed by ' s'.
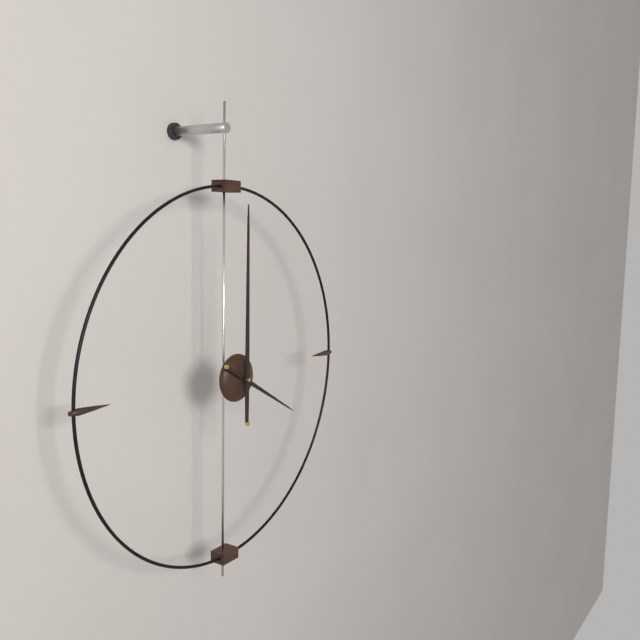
4 h 00 min
